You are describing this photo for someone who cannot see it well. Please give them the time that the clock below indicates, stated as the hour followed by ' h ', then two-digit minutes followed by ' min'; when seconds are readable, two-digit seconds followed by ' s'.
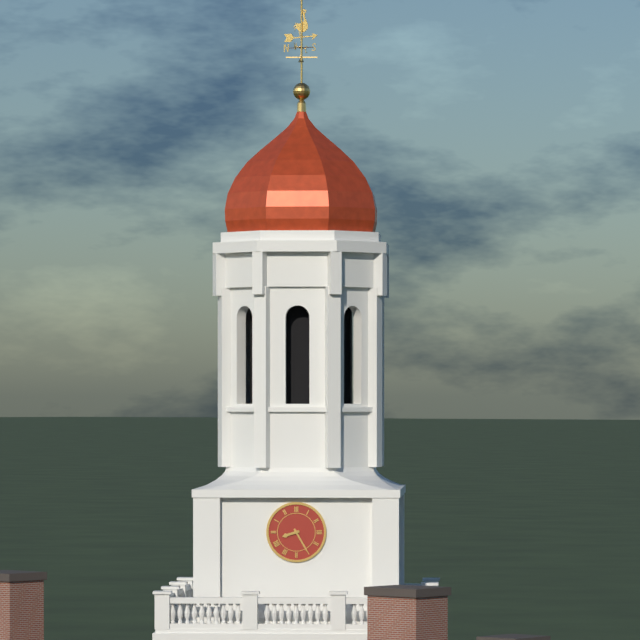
8 h 25 min
